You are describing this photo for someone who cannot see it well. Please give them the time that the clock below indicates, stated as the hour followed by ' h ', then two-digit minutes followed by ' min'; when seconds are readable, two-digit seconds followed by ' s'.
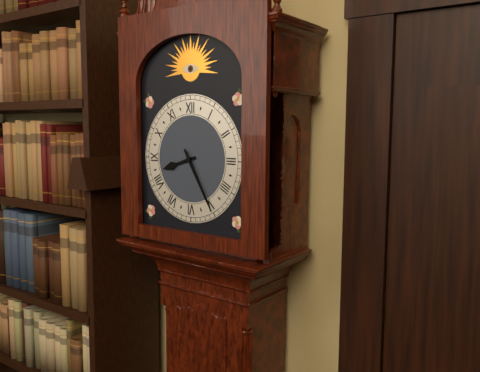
8 h 25 min
